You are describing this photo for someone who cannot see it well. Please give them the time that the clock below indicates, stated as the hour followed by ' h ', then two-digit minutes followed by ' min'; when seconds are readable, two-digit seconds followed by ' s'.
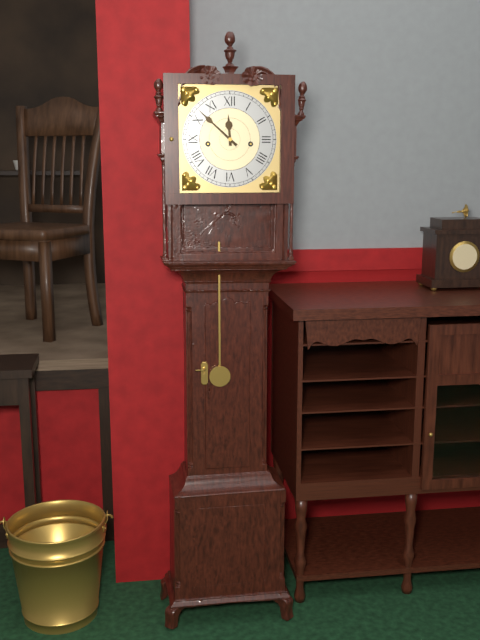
11 h 52 min
